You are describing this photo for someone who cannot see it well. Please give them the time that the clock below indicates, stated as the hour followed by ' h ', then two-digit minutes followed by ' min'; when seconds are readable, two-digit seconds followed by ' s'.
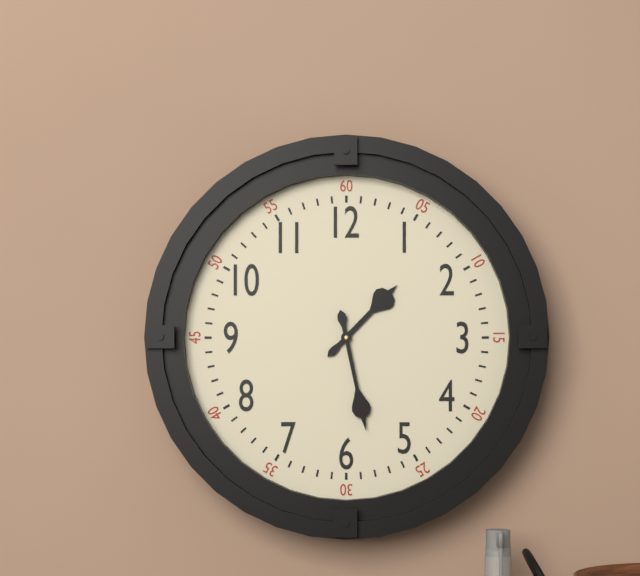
1 h 28 min
